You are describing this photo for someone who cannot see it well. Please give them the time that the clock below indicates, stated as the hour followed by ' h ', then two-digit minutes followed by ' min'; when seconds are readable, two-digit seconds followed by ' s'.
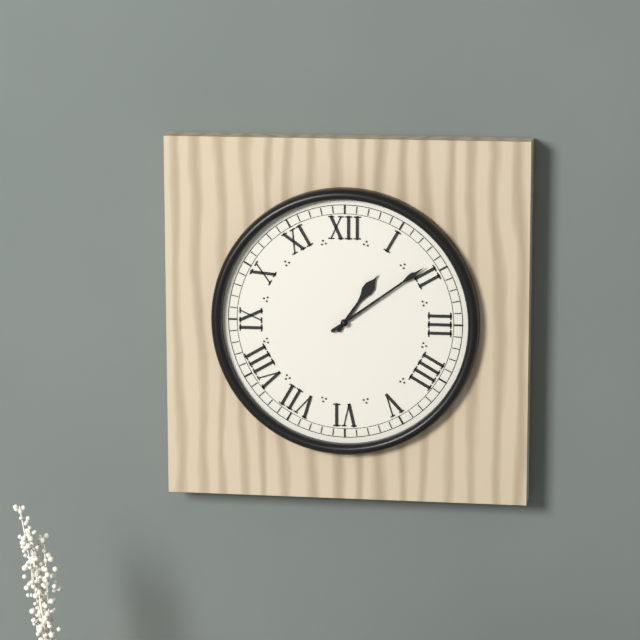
1 h 09 min
